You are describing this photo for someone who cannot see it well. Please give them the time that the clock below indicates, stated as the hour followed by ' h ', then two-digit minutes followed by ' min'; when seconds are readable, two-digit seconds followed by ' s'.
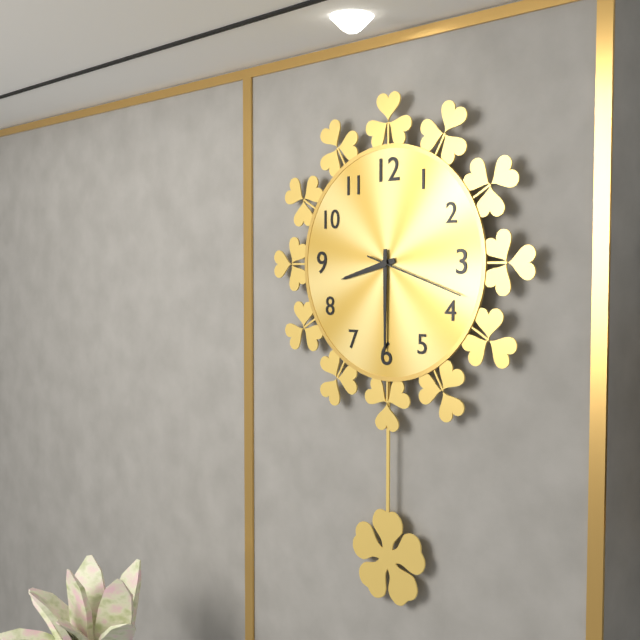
8 h 30 min 18 s
